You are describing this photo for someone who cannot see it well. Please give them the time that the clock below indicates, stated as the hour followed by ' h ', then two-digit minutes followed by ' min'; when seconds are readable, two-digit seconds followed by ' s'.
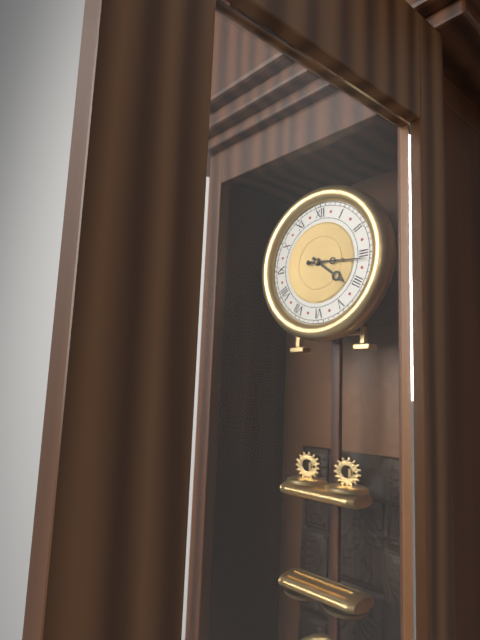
4 h 16 min
